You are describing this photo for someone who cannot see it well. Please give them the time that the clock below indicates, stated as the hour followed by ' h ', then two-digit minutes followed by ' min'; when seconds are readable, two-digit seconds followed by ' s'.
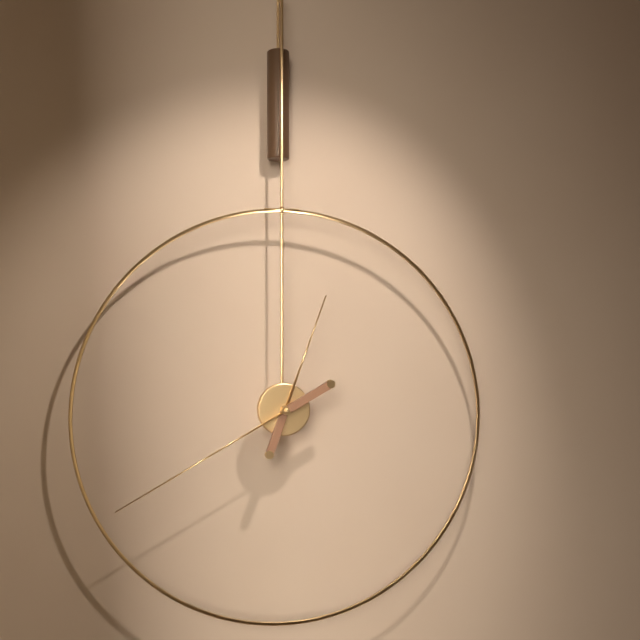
12 h 40 min
